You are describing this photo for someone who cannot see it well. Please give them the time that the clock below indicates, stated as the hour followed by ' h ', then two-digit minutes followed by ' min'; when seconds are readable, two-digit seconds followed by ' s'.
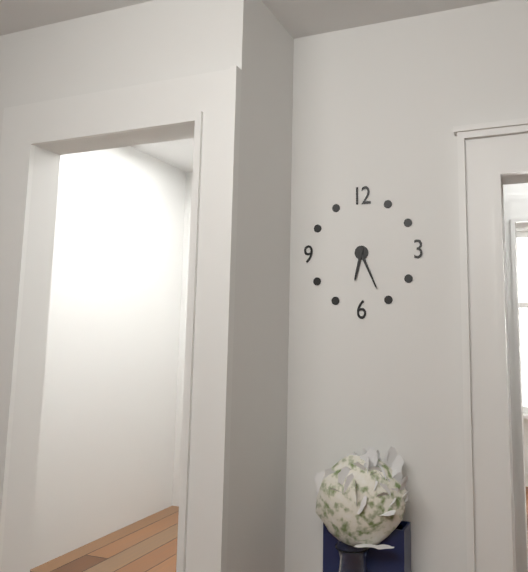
6 h 26 min
